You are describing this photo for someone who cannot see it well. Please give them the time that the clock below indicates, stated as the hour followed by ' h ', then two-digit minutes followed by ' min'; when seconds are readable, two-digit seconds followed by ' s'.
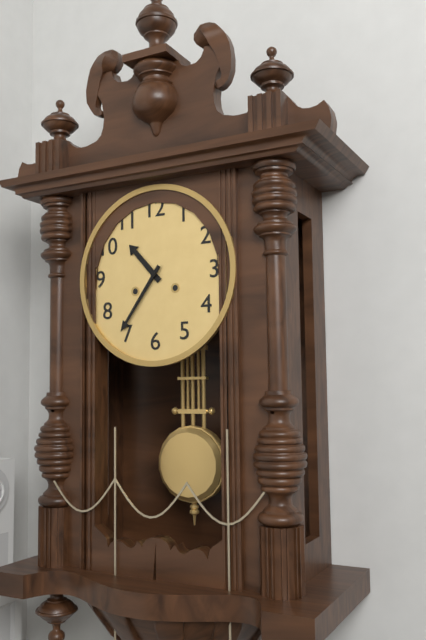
10 h 36 min
